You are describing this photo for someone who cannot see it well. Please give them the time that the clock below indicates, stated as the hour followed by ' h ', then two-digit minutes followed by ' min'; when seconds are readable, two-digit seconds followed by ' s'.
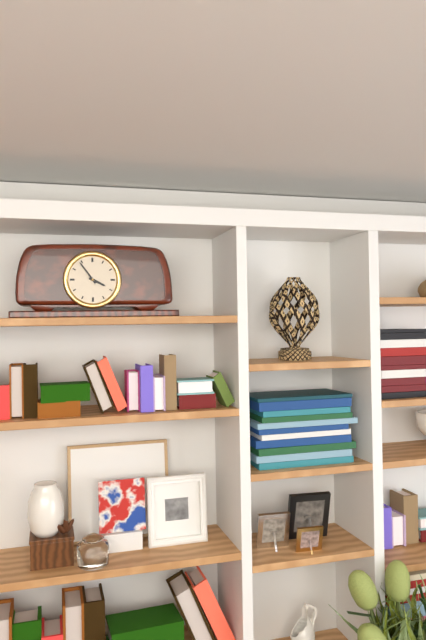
3 h 54 min
